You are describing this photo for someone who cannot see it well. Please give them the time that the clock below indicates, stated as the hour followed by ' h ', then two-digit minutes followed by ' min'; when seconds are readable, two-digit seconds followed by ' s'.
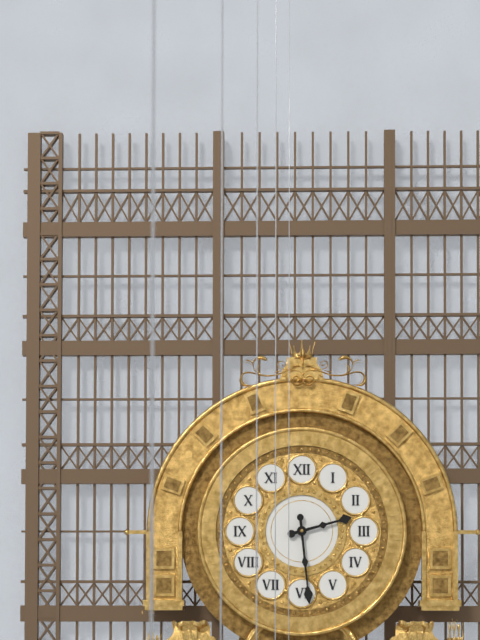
2 h 29 min
